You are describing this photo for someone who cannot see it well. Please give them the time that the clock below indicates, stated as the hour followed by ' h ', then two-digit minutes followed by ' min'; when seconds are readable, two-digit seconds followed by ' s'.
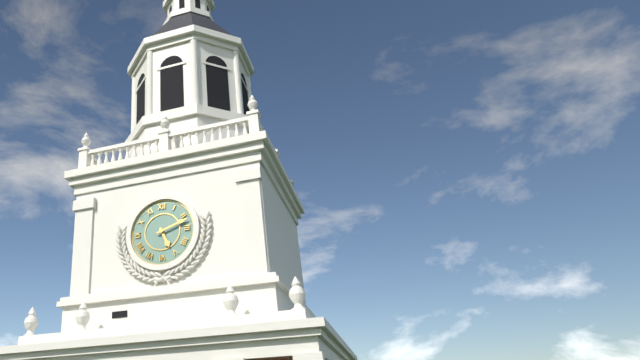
5 h 12 min
